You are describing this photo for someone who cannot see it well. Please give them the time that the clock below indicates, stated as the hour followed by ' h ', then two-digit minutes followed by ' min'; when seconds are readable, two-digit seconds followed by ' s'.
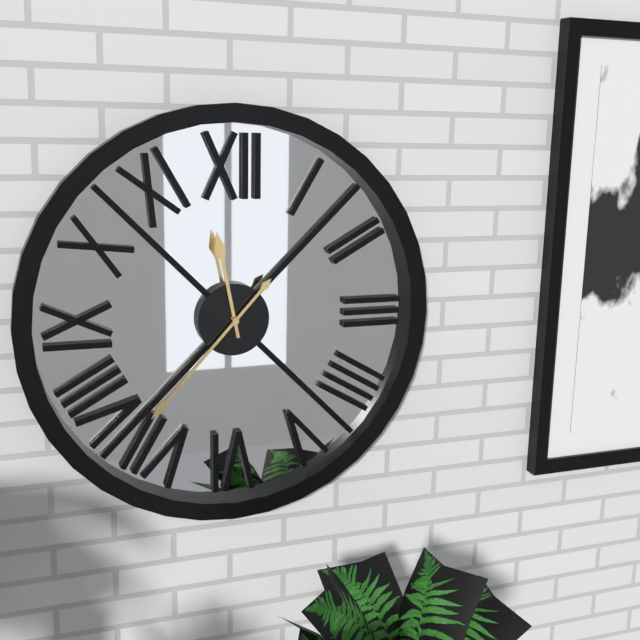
11 h 37 min
